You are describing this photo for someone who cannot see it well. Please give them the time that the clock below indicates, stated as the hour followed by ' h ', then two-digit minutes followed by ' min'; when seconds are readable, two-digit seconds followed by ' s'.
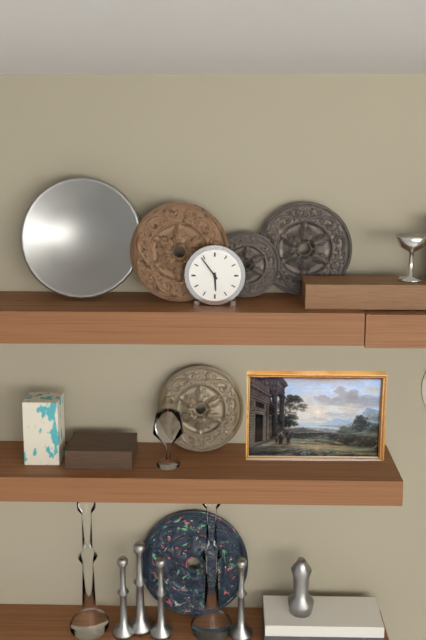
5 h 54 min
